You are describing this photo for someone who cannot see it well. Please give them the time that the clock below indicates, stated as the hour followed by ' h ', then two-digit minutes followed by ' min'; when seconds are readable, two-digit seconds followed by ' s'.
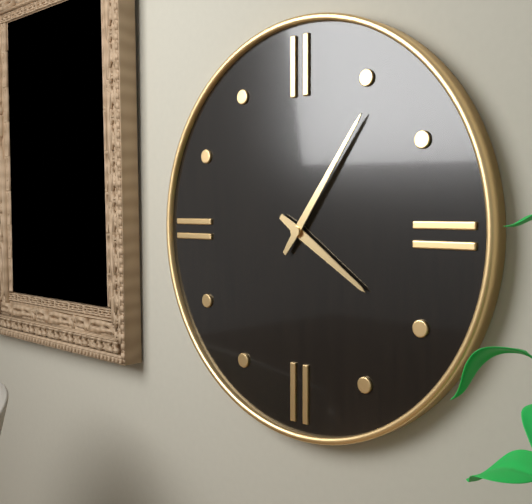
4 h 06 min
